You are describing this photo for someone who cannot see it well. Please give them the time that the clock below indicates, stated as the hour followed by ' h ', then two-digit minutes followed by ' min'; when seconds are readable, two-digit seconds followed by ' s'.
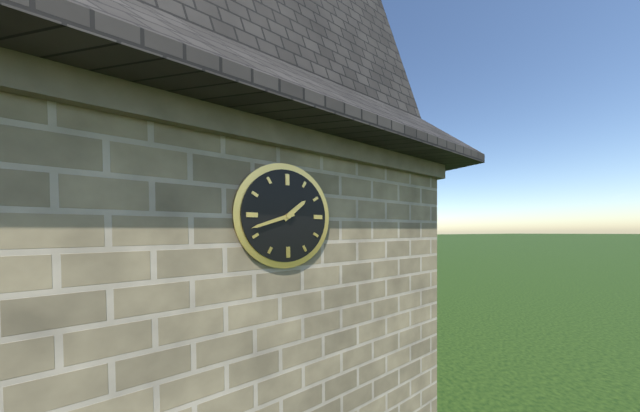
1 h 42 min
